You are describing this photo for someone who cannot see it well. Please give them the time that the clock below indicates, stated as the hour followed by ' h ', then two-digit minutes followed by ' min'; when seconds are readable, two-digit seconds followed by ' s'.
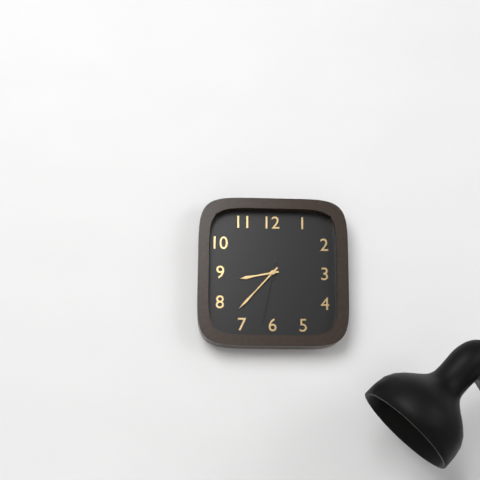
8 h 37 min 32 s
